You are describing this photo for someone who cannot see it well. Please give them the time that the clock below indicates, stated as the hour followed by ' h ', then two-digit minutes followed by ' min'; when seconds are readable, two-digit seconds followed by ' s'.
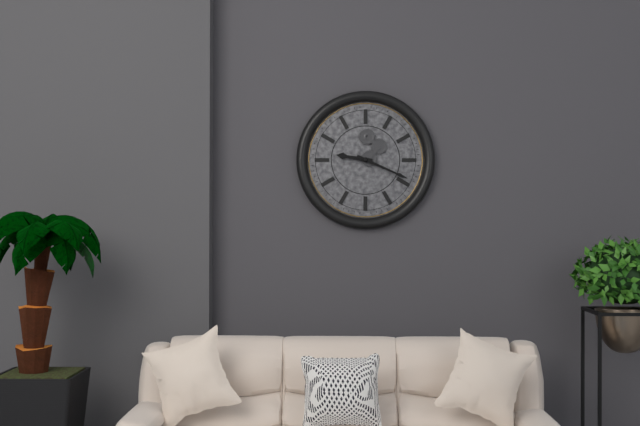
9 h 19 min
